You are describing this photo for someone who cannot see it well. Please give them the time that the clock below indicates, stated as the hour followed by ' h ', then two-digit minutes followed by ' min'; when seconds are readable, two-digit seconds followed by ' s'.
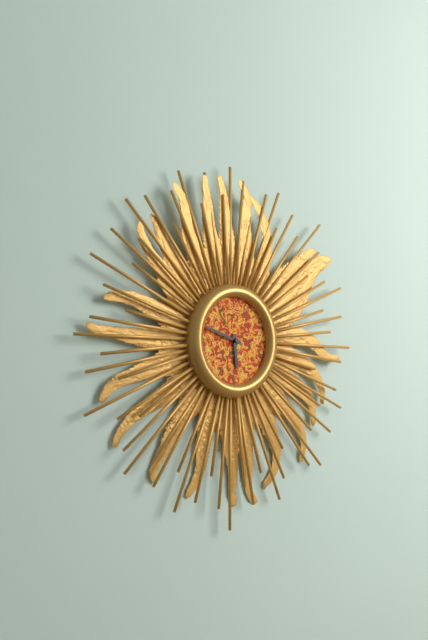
5 h 48 min
